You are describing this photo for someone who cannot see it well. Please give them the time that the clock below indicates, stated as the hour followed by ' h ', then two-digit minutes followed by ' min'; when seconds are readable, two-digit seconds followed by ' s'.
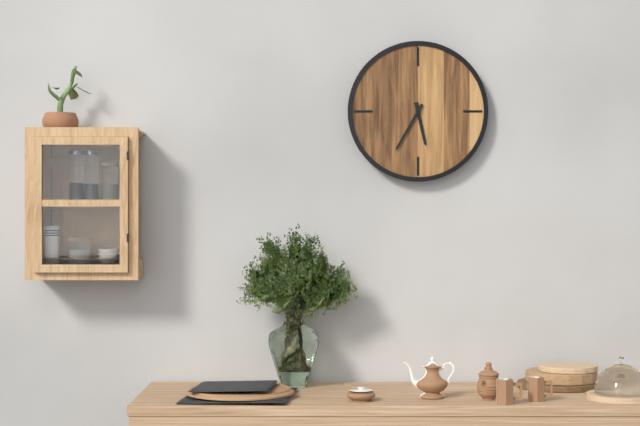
5 h 35 min
